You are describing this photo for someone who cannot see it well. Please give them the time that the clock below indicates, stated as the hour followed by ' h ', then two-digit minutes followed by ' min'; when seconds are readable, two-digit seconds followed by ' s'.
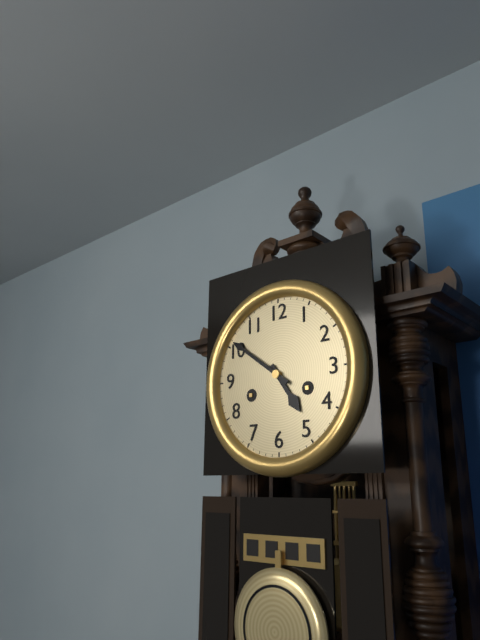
4 h 51 min
